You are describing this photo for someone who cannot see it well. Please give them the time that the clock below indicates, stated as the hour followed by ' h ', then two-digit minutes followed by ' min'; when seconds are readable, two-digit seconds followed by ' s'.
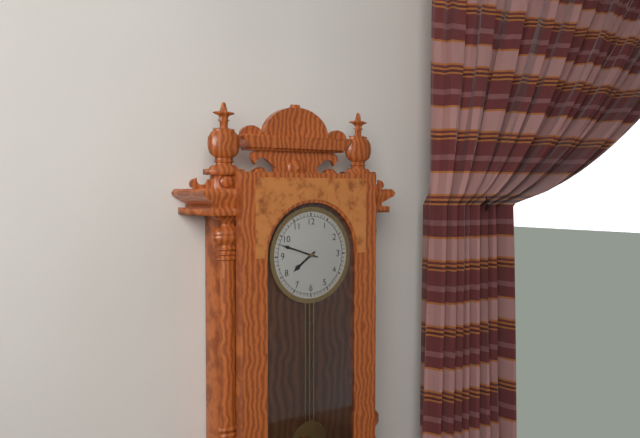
7 h 48 min
